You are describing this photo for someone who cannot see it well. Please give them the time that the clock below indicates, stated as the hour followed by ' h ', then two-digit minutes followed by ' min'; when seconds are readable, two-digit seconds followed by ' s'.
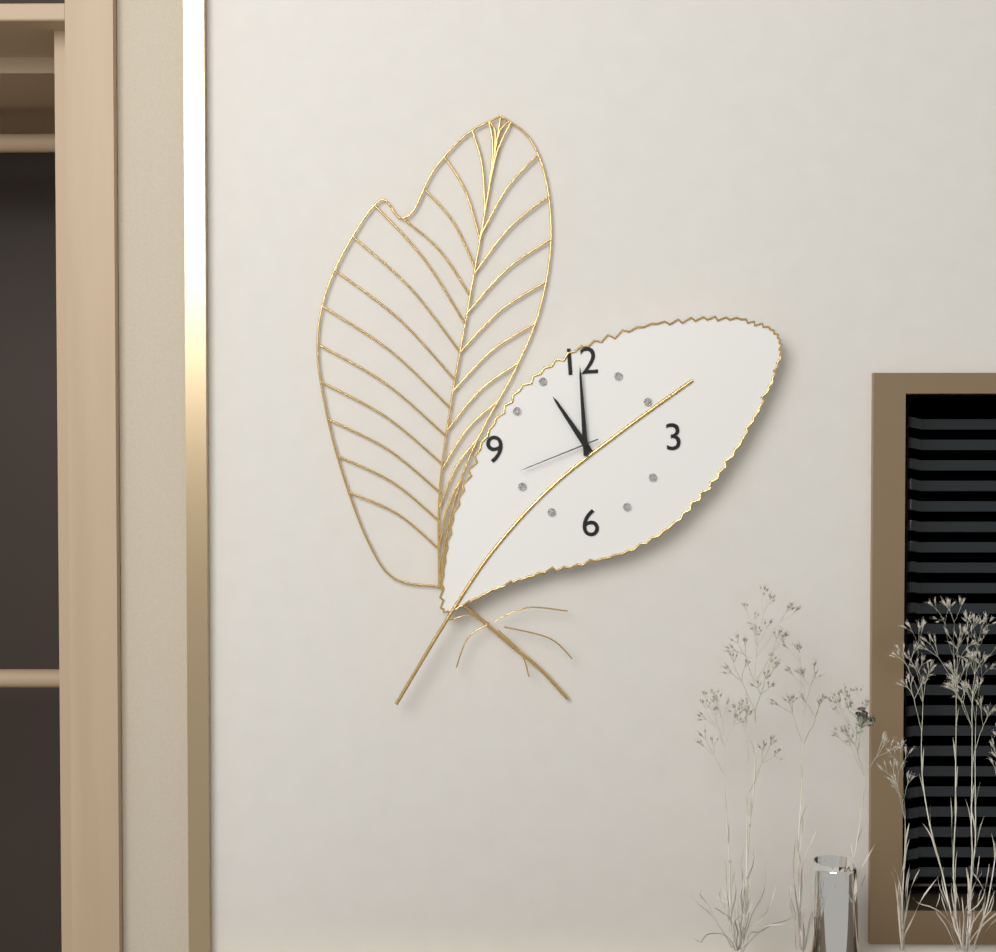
11 h 00 min 42 s
